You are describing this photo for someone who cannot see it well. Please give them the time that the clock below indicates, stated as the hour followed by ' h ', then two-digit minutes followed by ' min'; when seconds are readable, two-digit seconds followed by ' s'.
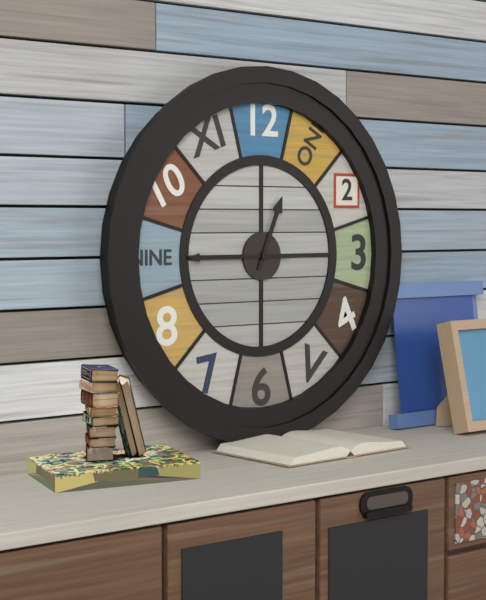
12 h 45 min
